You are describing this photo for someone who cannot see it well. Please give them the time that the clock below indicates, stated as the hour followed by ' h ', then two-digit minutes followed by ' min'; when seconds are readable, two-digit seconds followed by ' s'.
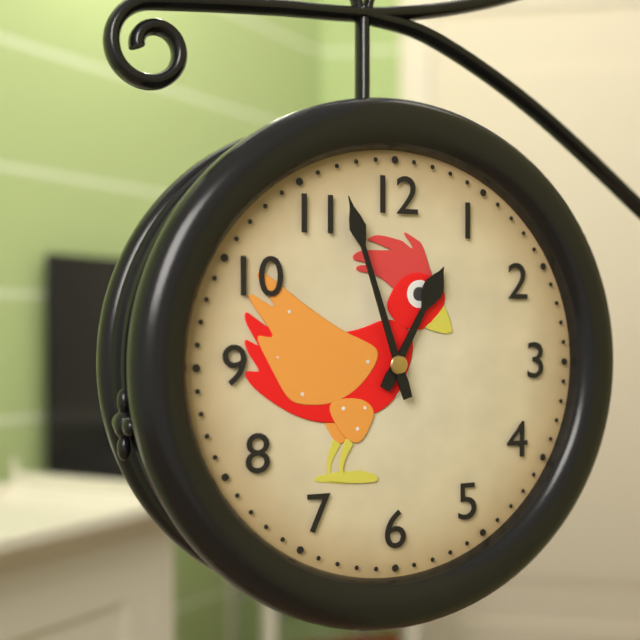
12 h 57 min
